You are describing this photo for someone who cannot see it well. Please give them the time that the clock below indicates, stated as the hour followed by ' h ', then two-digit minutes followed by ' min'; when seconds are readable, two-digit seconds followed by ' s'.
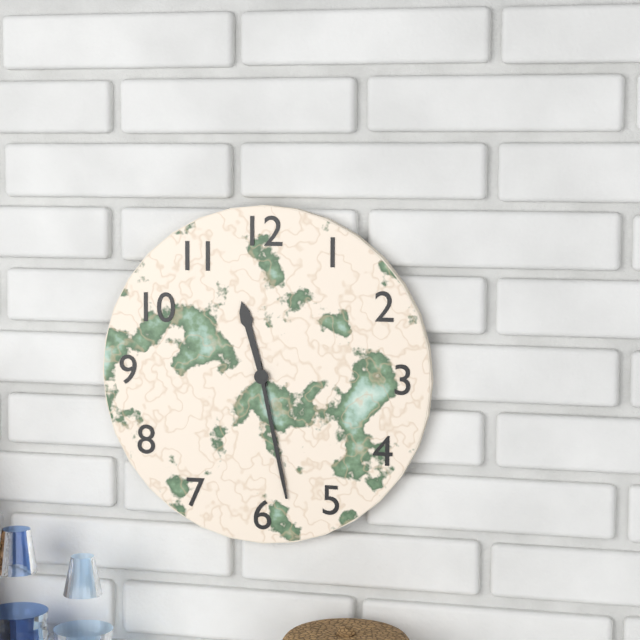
11 h 28 min
